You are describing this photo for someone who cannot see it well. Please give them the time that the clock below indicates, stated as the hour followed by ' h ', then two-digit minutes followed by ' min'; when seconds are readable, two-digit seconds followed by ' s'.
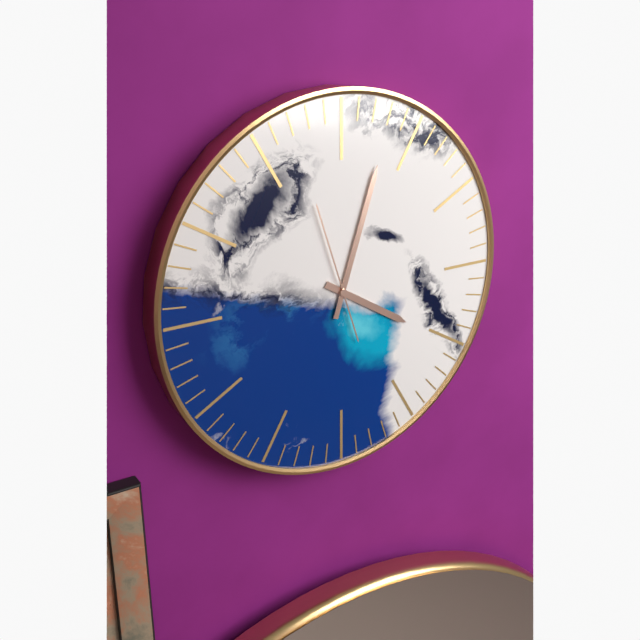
4 h 03 min 57 s
